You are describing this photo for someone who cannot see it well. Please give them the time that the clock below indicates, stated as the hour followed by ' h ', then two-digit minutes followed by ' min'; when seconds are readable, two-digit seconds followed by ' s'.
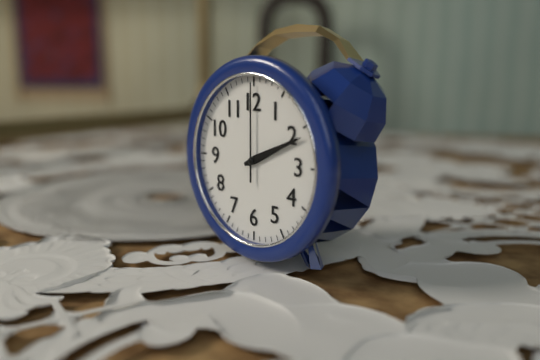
2 h 11 min 00 s
